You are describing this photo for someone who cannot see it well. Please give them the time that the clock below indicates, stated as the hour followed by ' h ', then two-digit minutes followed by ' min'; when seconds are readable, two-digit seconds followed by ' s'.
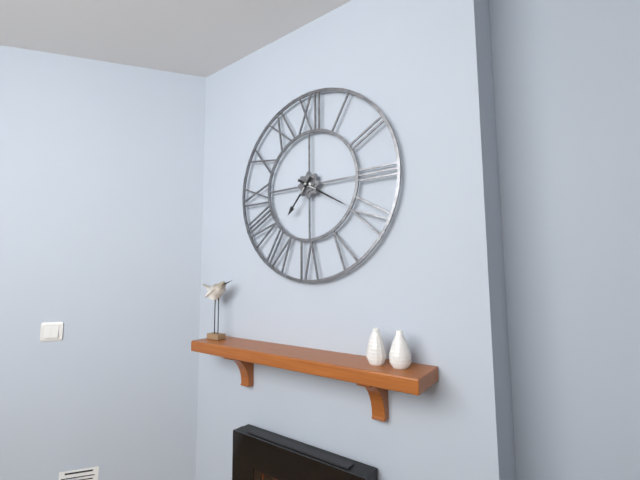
7 h 20 min
